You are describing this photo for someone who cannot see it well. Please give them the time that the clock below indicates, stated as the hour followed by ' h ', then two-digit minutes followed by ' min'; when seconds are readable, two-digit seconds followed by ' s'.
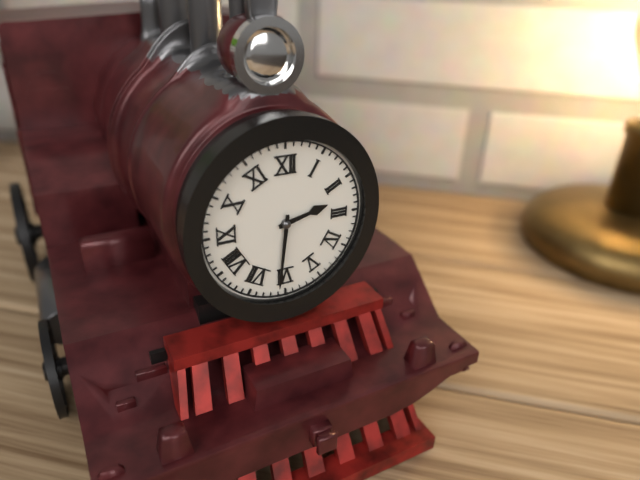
2 h 31 min
